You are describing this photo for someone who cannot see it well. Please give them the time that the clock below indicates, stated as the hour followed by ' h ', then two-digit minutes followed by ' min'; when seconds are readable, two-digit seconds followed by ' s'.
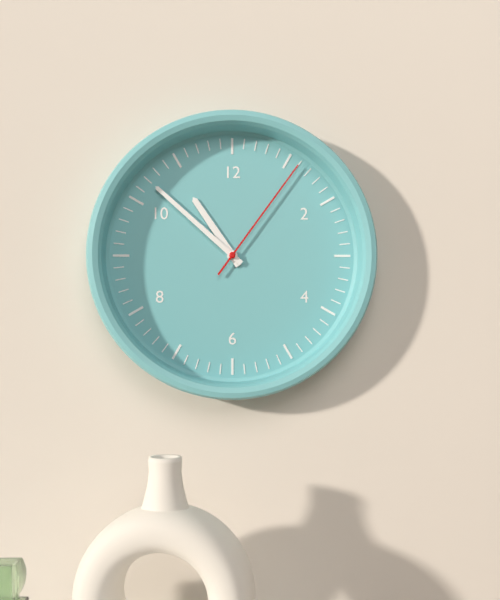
10 h 52 min 06 s
